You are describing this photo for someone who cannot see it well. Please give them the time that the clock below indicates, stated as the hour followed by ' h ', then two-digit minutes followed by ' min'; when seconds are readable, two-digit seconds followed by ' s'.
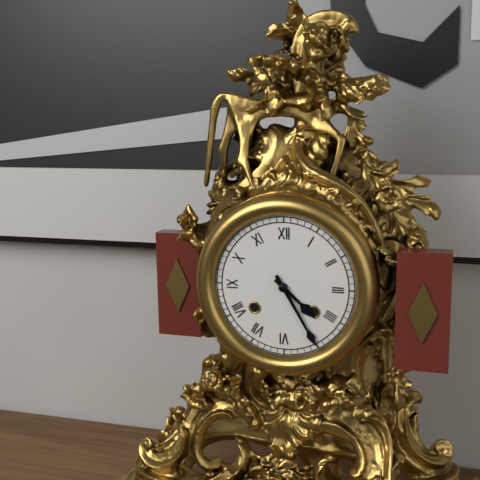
4 h 25 min
